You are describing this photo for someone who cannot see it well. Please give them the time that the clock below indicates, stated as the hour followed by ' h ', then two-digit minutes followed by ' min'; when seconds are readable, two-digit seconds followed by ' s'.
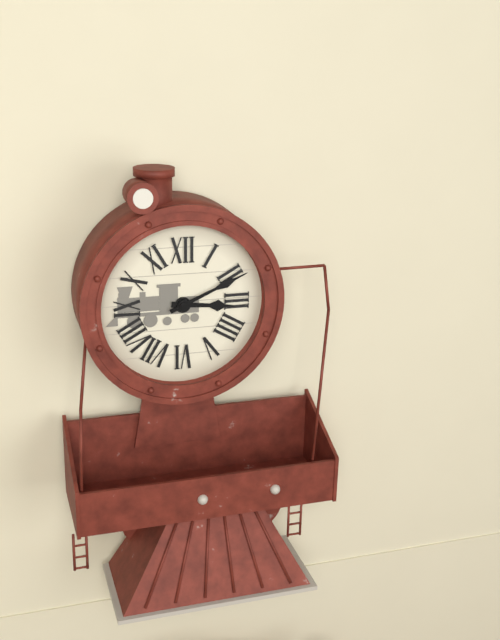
3 h 11 min
